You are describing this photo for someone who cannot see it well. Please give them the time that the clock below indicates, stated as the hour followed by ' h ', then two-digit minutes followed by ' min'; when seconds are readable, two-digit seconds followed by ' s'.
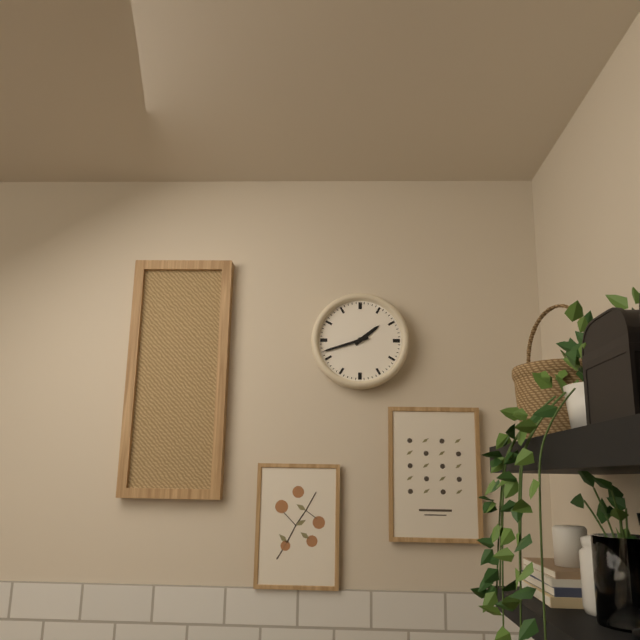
1 h 42 min
